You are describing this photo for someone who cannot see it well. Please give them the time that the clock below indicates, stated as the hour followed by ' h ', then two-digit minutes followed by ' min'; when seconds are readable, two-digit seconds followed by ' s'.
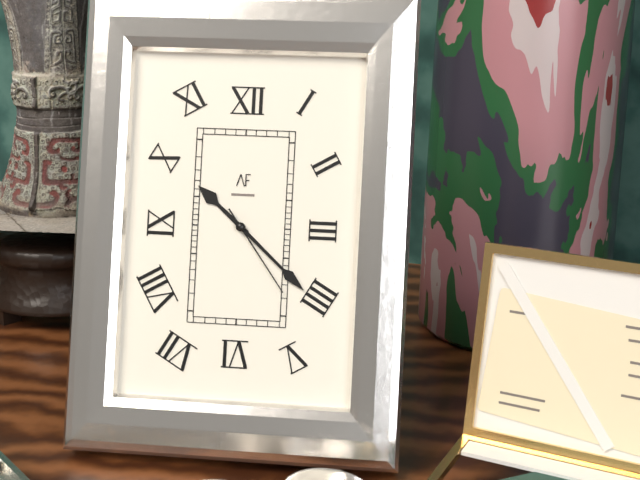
10 h 22 min 24 s
